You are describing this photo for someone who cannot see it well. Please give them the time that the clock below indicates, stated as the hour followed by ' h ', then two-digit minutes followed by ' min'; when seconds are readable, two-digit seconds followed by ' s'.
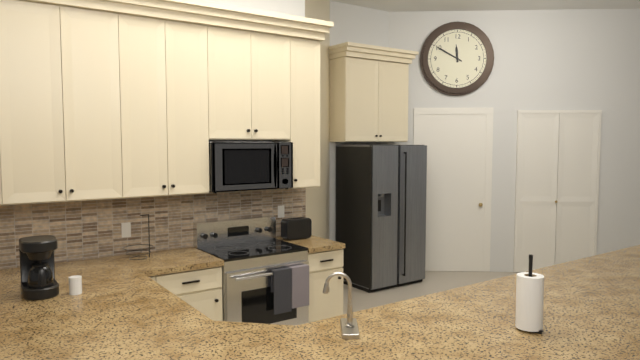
11 h 50 min
